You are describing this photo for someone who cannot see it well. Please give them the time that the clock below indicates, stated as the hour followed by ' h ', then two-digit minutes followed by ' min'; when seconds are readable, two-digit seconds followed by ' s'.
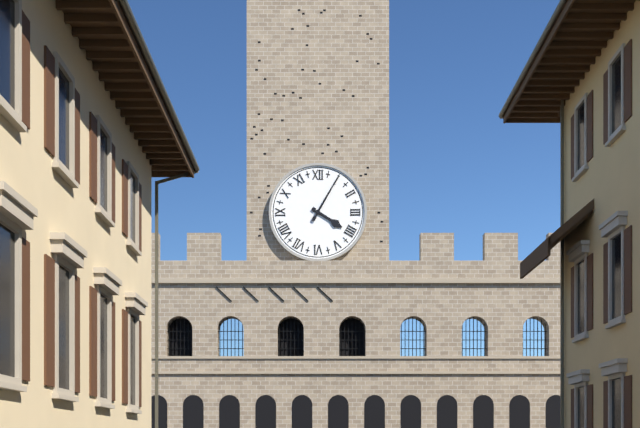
4 h 05 min
